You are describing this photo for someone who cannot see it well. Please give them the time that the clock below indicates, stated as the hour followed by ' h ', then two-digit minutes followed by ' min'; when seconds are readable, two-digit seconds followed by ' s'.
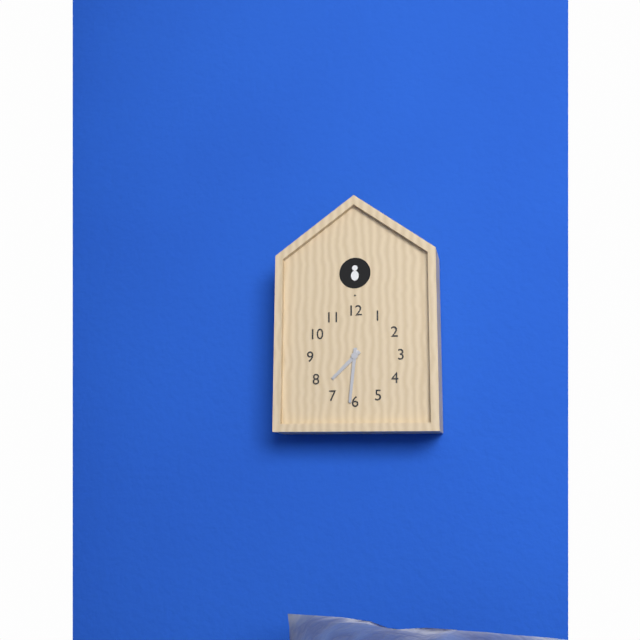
7 h 31 min
